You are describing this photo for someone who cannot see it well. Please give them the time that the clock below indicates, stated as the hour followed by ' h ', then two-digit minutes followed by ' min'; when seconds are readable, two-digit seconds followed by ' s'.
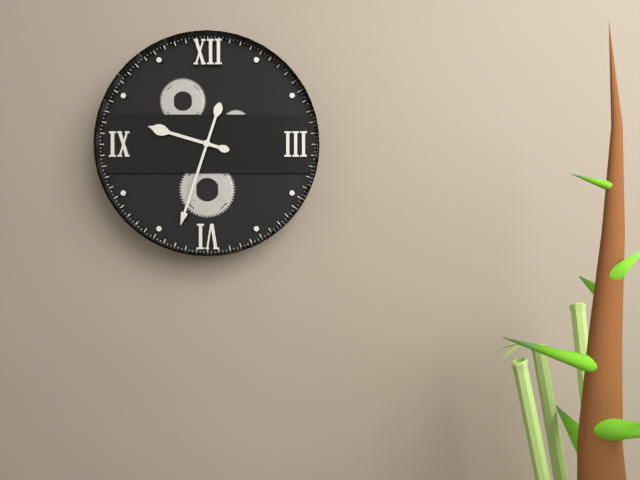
9 h 33 min
